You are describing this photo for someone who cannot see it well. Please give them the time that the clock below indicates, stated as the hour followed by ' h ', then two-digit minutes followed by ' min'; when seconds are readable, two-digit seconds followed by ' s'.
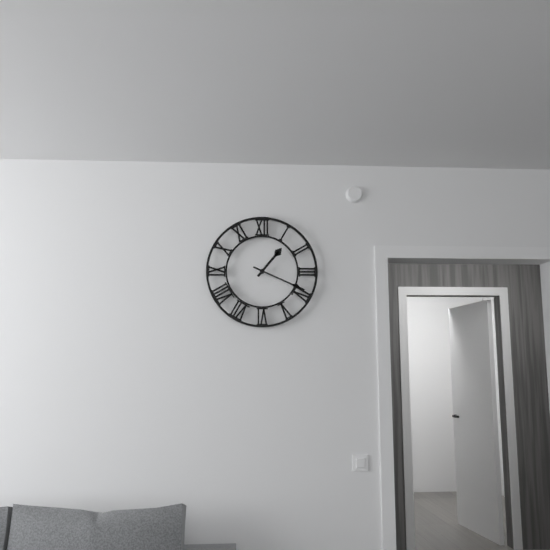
1 h 19 min
